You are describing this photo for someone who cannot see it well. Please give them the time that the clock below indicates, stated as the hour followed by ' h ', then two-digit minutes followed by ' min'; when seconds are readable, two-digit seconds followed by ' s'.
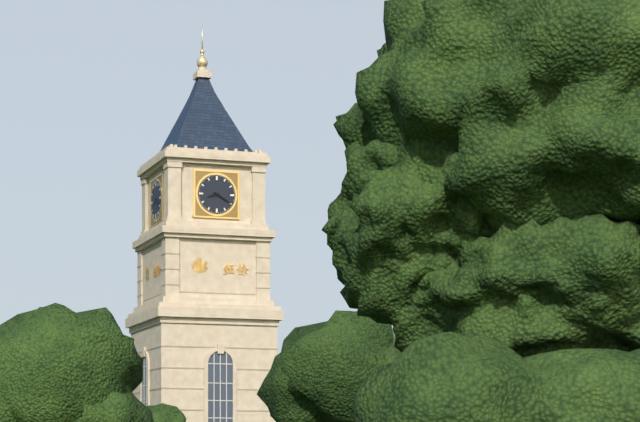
8 h 20 min
